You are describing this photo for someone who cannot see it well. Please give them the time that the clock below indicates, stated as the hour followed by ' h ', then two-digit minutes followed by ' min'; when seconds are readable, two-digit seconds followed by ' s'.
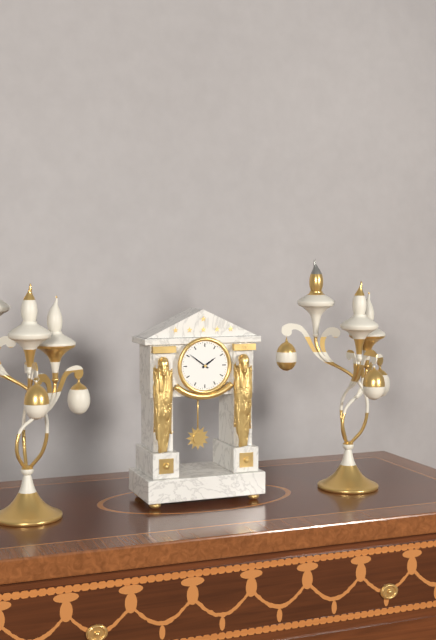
1 h 51 min
